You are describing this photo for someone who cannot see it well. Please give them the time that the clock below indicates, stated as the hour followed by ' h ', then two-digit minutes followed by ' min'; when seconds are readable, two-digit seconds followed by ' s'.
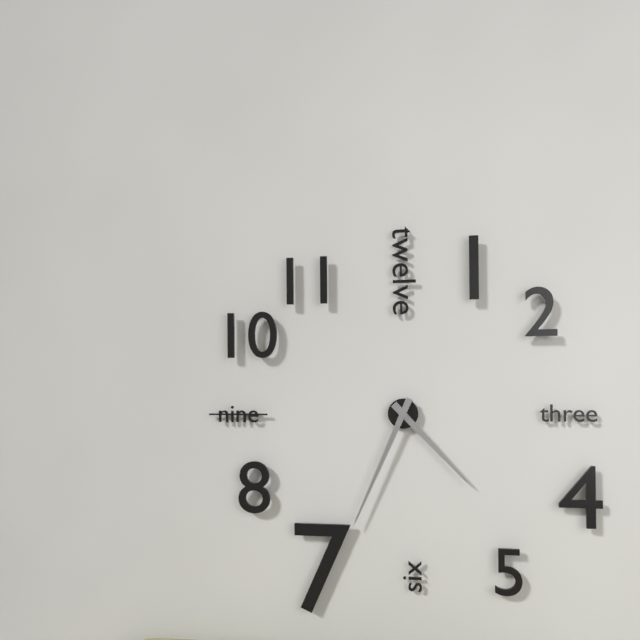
4 h 34 min
